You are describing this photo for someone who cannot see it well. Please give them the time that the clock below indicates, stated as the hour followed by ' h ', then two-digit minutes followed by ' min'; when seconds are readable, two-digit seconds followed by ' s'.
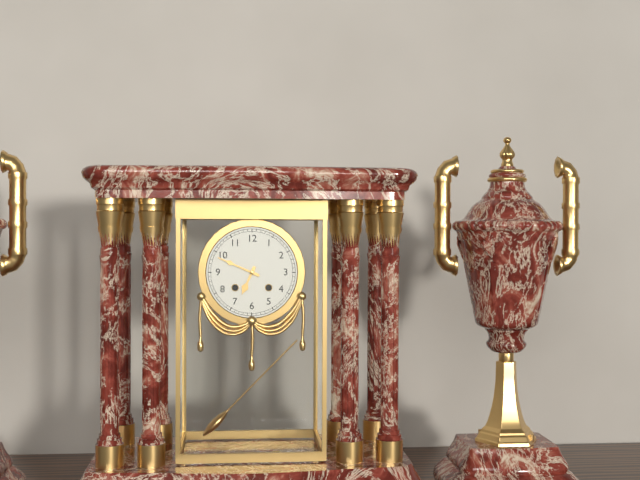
6 h 49 min
